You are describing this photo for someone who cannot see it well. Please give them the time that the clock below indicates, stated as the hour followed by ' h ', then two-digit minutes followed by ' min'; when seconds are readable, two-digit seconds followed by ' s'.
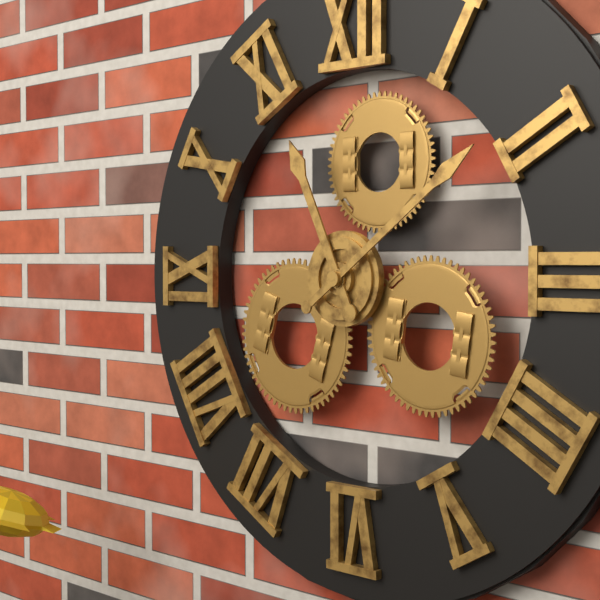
11 h 09 min
